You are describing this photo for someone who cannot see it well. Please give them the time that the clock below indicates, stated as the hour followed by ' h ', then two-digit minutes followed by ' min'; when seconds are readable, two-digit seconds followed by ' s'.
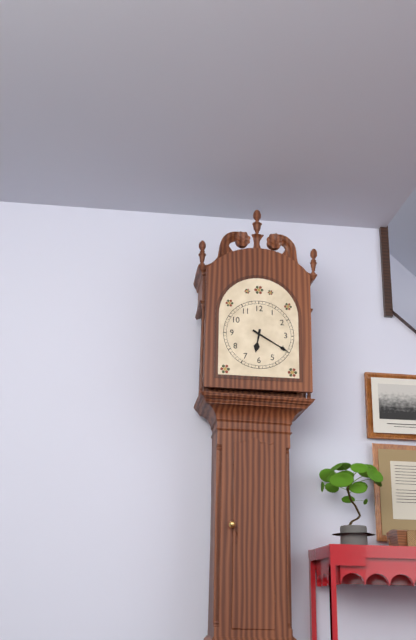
6 h 20 min
